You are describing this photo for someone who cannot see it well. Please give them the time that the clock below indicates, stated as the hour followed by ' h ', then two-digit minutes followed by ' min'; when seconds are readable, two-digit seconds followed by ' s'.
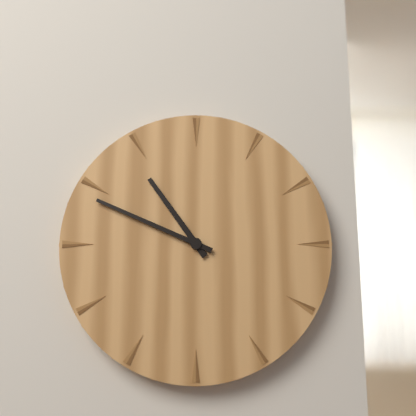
10 h 49 min
